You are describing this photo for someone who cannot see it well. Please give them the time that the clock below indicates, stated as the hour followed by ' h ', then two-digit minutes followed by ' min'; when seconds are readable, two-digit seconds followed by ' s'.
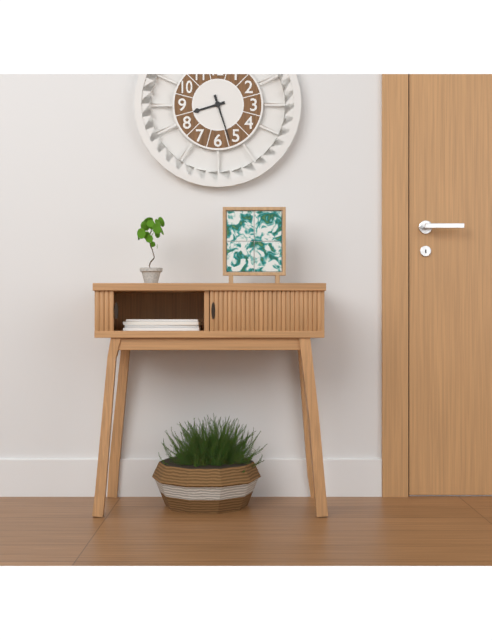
8 h 27 min
